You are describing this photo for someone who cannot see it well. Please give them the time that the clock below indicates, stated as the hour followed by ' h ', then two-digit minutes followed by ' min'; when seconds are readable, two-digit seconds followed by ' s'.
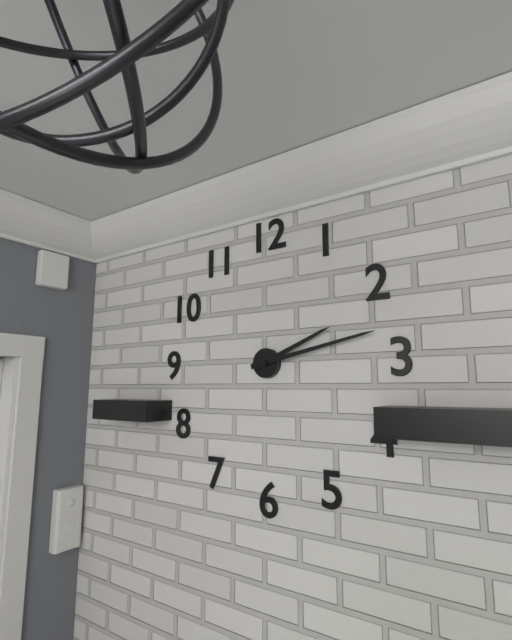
2 h 13 min
